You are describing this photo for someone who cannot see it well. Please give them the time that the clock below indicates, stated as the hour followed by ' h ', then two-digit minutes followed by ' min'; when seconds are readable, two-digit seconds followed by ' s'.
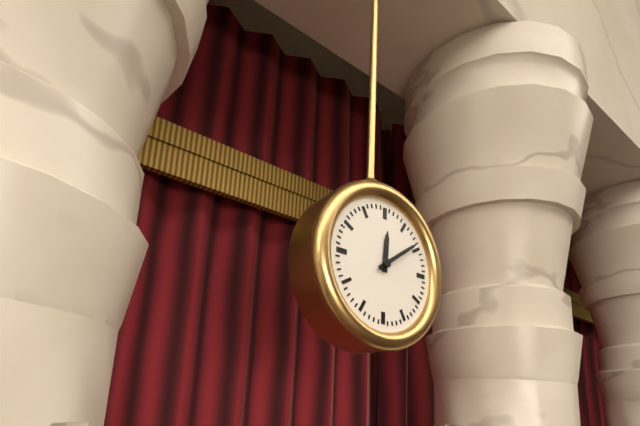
12 h 09 min
